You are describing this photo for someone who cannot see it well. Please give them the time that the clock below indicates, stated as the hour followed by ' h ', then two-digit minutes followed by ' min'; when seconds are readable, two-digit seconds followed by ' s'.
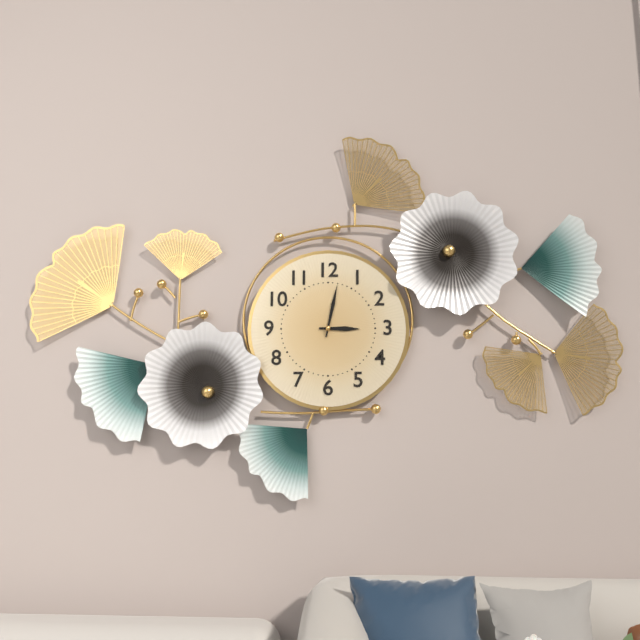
3 h 02 min
